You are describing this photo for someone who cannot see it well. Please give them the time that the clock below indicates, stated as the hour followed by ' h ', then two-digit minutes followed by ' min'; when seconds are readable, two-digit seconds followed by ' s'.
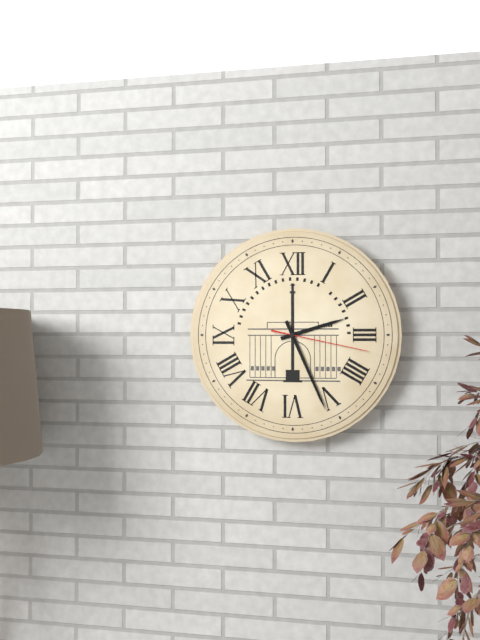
2 h 26 min 17 s
